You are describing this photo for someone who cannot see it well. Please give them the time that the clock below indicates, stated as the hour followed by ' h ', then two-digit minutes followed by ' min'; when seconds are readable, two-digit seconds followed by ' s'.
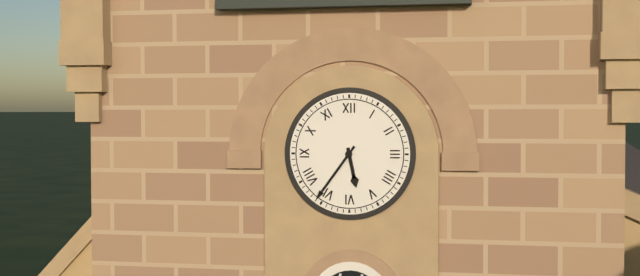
5 h 36 min
